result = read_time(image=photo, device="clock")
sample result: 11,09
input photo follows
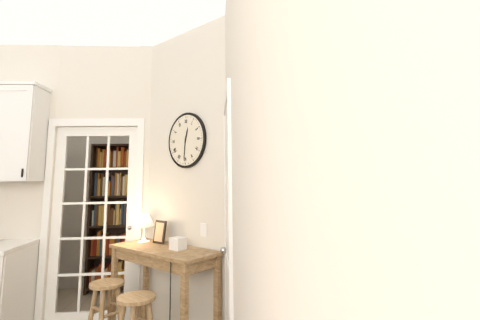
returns 12,31
